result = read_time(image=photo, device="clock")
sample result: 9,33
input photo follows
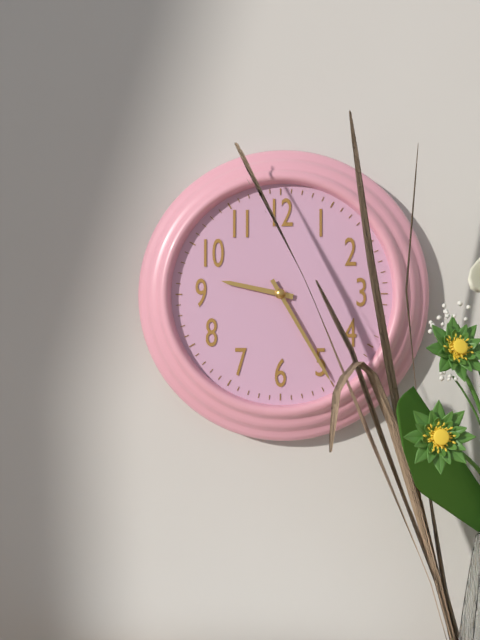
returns 9,25
